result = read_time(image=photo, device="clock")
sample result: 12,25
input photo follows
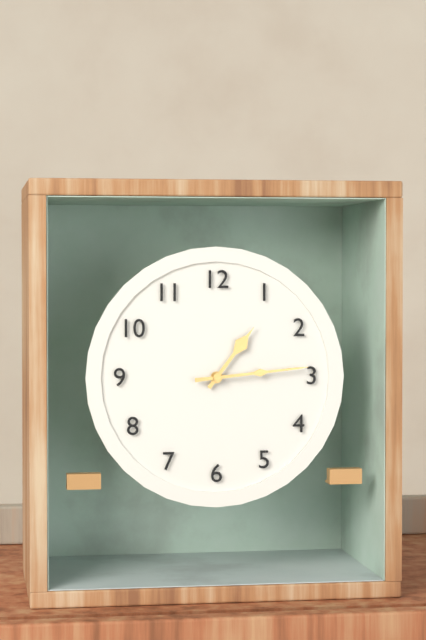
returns 1,14
